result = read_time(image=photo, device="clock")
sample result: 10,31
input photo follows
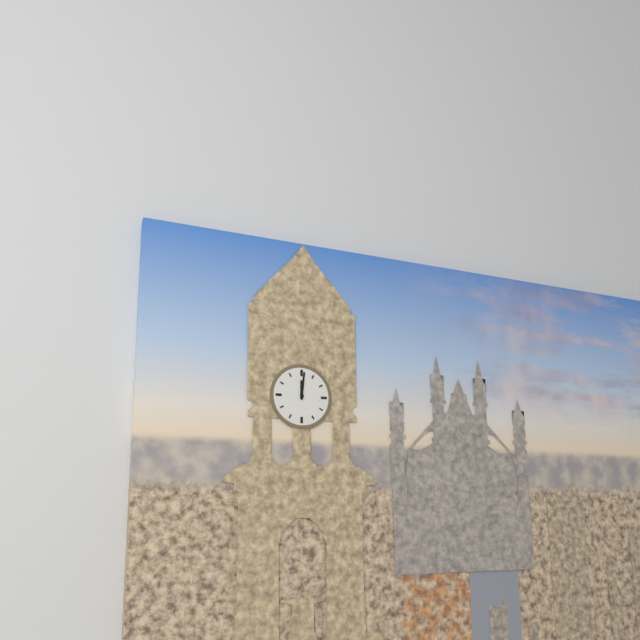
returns 12,01
